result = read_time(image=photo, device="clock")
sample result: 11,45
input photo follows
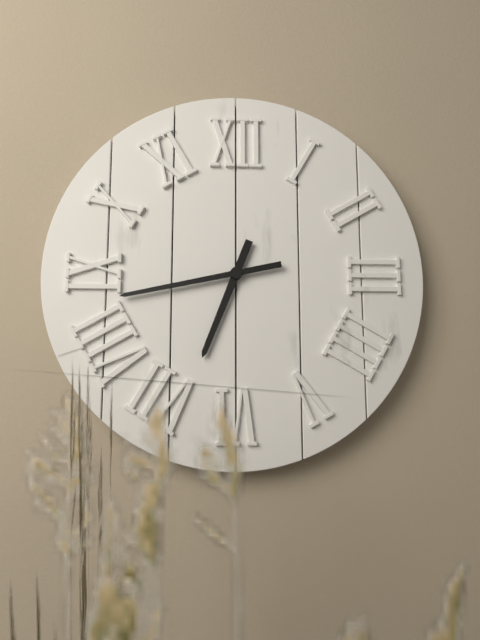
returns 6,43
